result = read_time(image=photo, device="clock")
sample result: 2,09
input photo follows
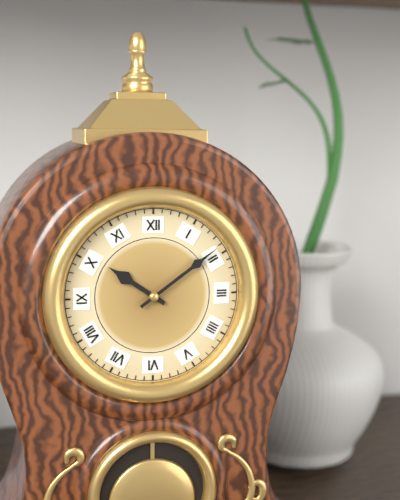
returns 10,09
